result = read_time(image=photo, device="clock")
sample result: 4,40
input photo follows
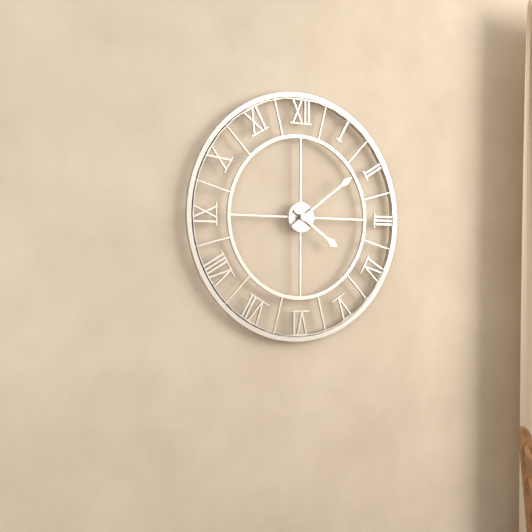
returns 4,09
